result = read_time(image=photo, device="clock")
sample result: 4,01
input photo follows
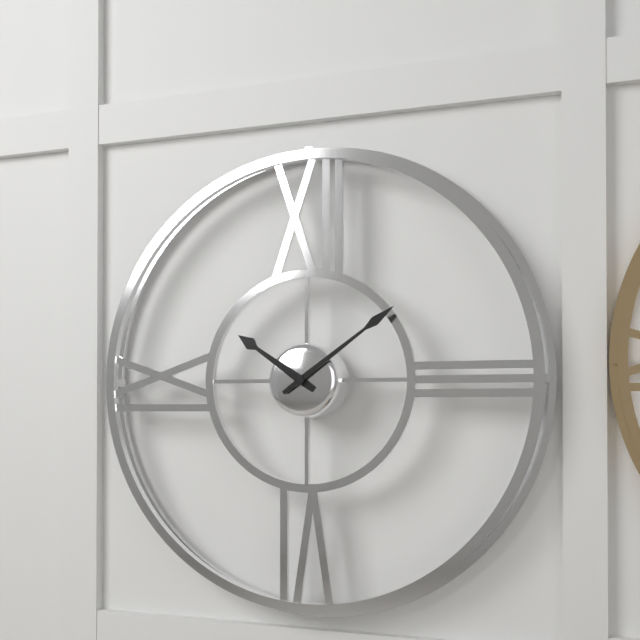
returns 10,09
